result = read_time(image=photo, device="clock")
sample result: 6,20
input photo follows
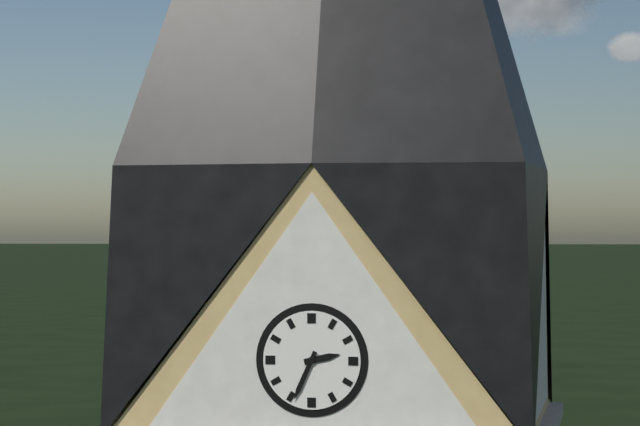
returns 2,34
